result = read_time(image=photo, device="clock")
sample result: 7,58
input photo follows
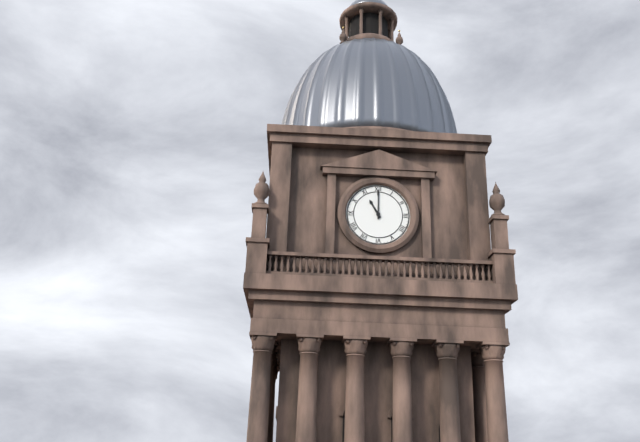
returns 11,00
